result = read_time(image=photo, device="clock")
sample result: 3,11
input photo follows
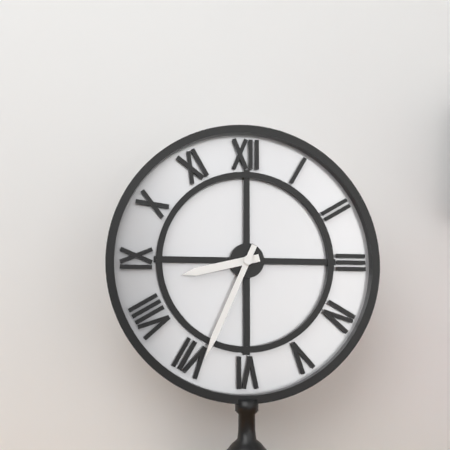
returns 8,34
